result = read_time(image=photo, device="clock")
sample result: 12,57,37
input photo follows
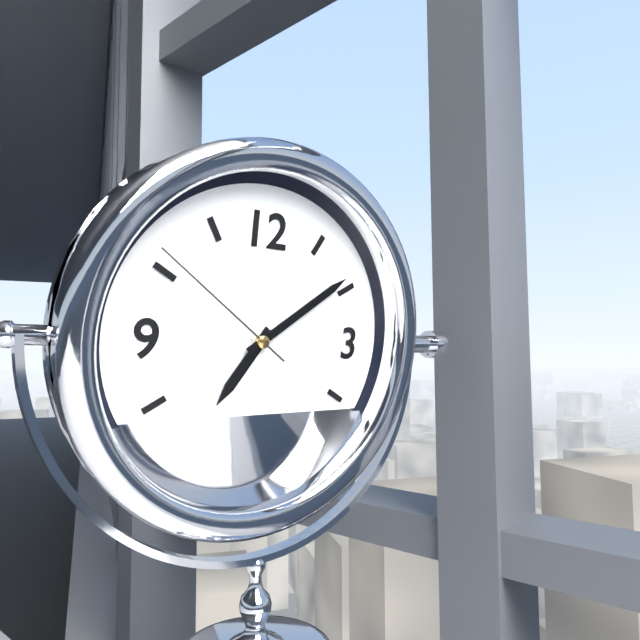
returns 7,09,51
